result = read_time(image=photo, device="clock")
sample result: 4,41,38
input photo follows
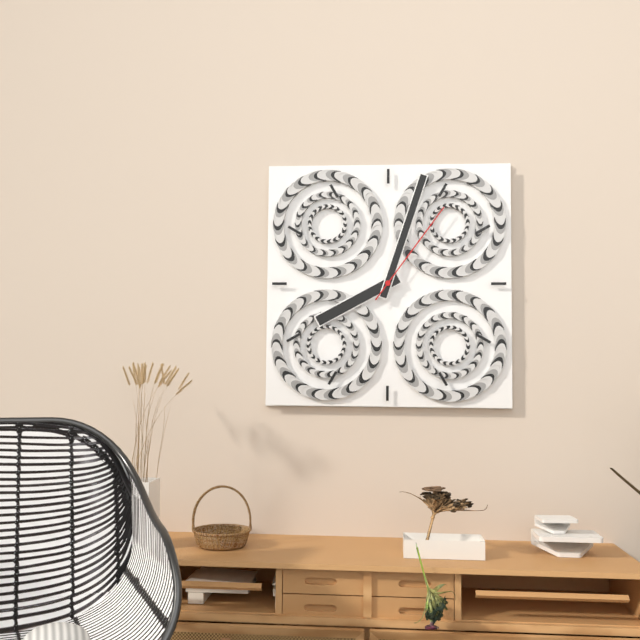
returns 8,03,06
